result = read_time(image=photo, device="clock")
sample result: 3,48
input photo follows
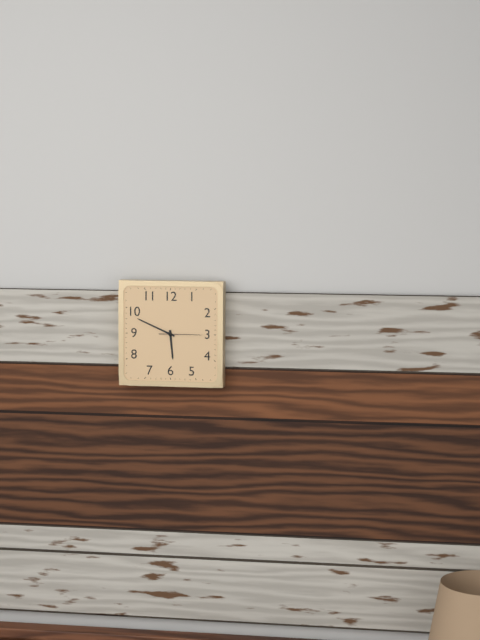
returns 5,49
